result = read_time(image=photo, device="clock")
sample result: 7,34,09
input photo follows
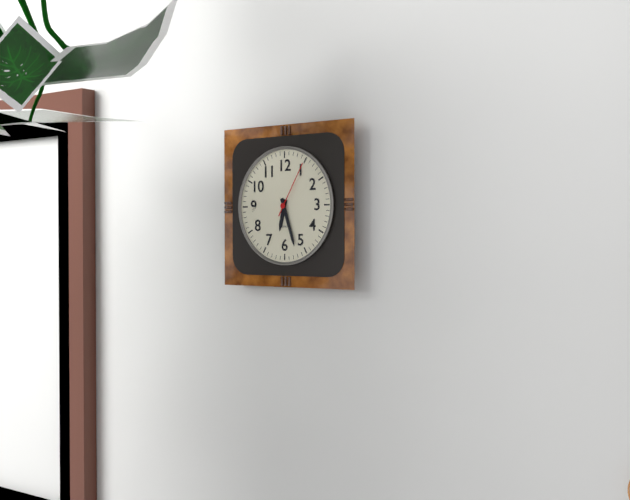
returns 6,27,05
